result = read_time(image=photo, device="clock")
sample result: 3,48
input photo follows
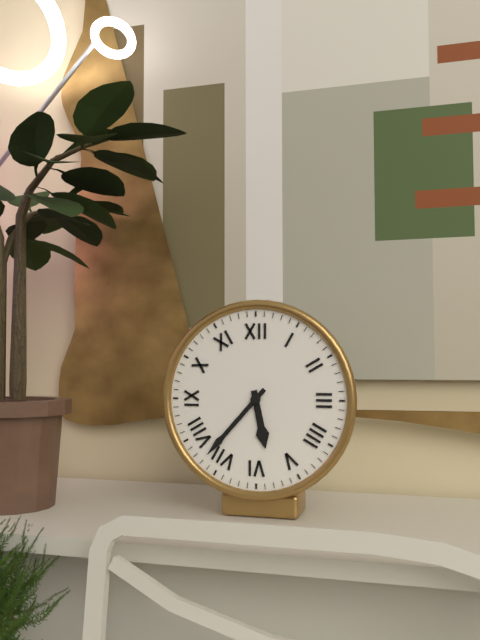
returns 5,37
